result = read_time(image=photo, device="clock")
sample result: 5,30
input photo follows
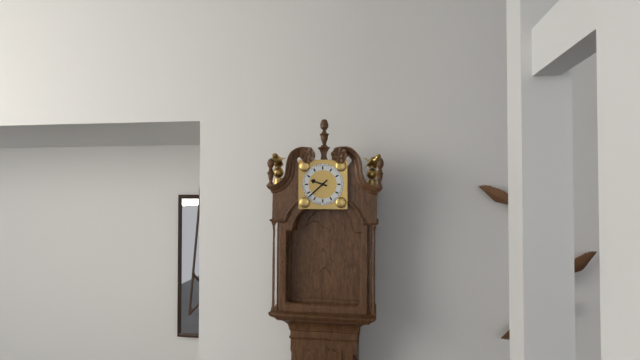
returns 9,38
